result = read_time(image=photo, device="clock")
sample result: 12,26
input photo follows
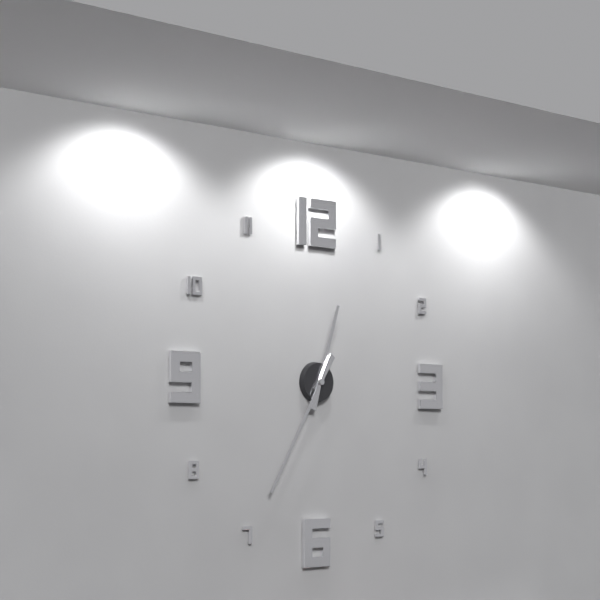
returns 12,35
